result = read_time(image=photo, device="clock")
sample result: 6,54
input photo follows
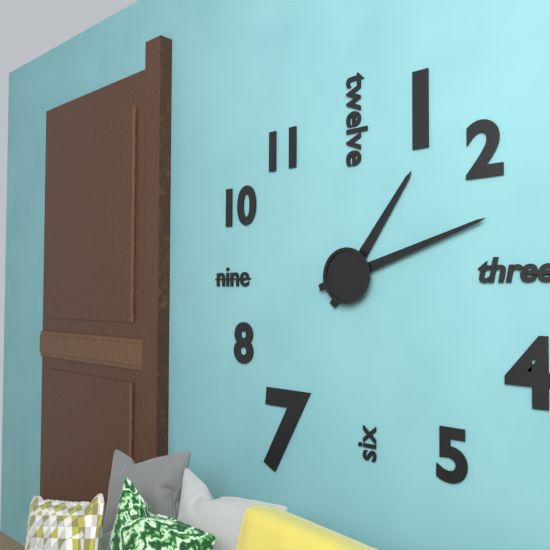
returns 1,12
